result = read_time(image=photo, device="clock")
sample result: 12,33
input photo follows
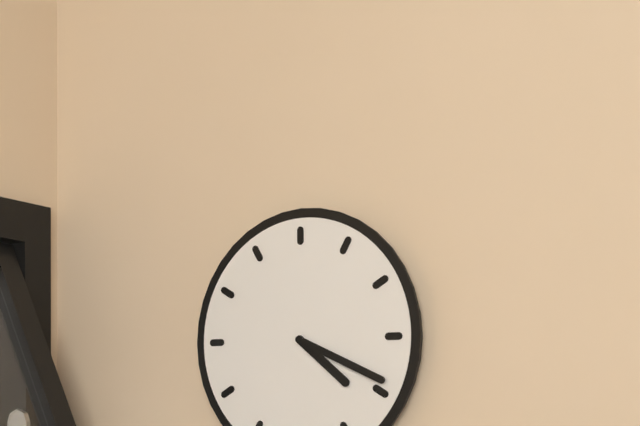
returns 4,19
